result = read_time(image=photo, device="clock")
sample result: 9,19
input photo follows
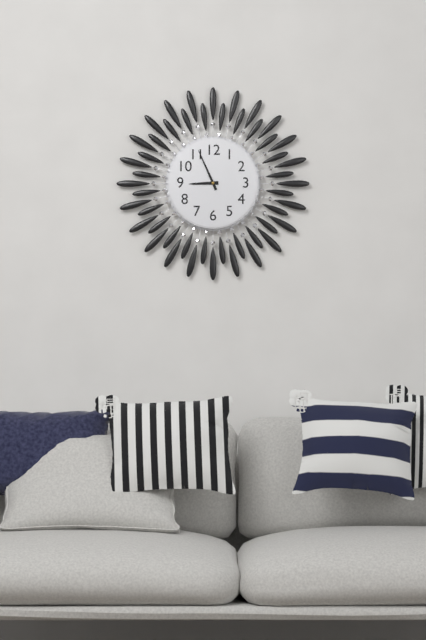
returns 8,56
